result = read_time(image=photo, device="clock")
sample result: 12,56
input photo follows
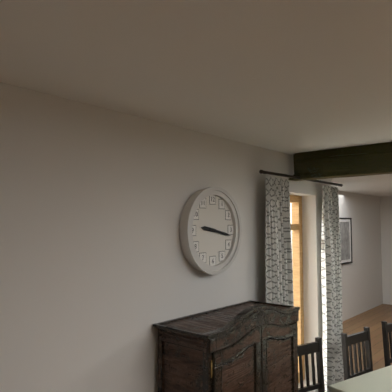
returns 9,17
